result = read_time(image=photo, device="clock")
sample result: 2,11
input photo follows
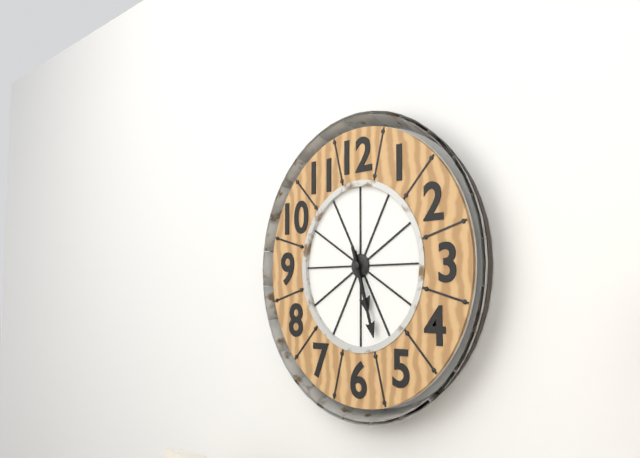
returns 5,27
